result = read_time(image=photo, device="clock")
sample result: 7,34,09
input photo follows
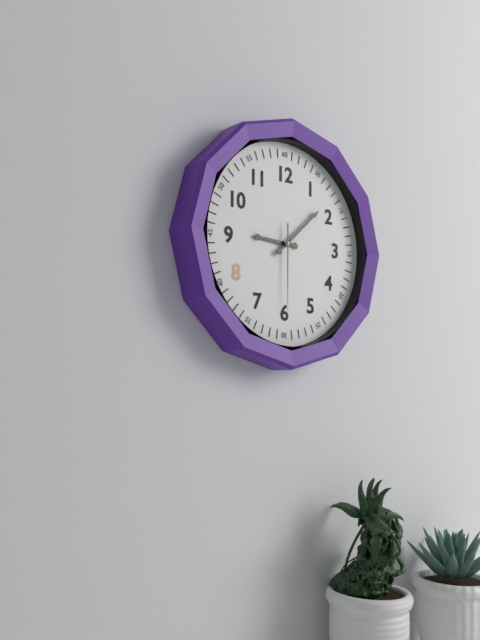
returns 9,08,30
